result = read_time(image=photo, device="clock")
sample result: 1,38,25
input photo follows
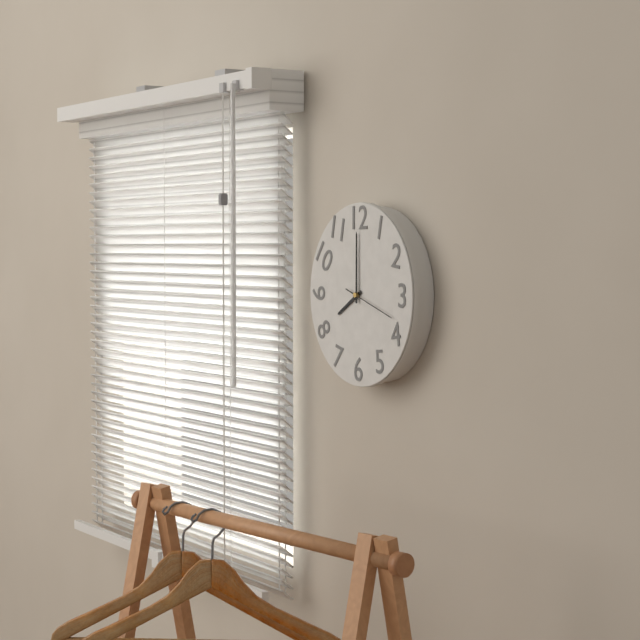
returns 8,00,18
